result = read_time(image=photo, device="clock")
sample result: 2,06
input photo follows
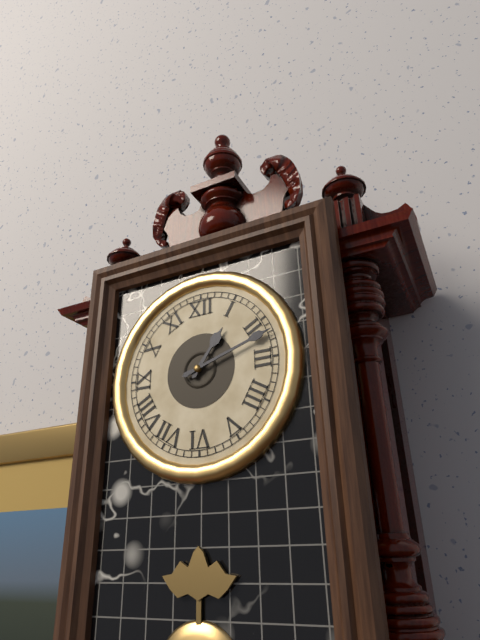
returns 1,12
